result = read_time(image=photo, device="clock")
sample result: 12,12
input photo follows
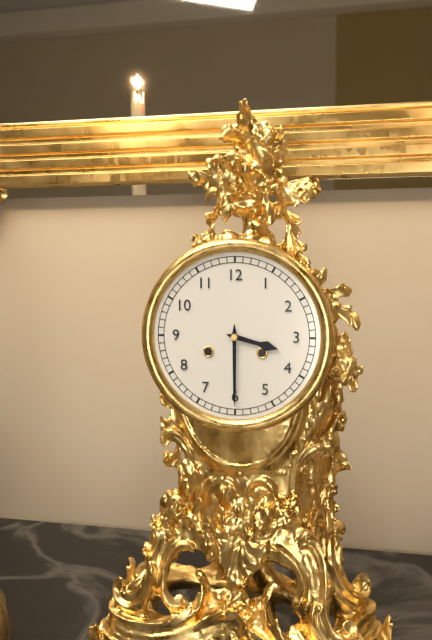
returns 3,30
